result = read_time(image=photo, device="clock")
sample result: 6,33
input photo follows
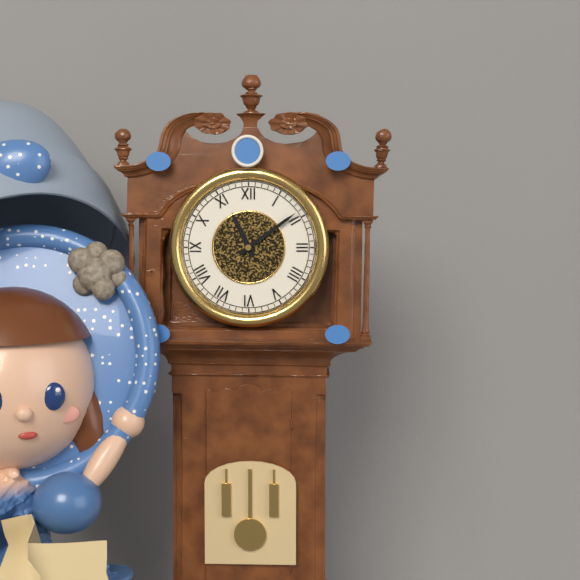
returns 11,09
